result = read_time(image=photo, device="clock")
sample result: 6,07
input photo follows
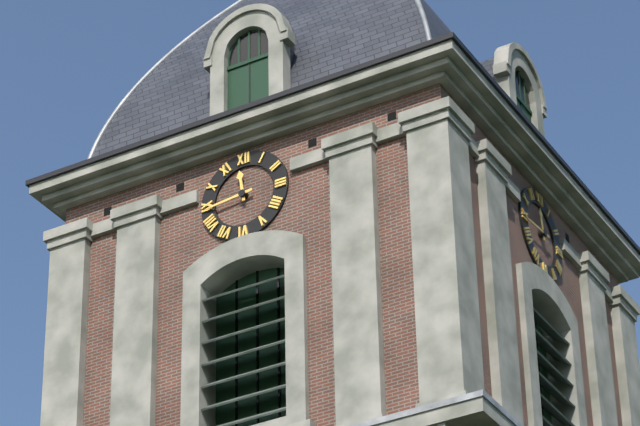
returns 11,44
